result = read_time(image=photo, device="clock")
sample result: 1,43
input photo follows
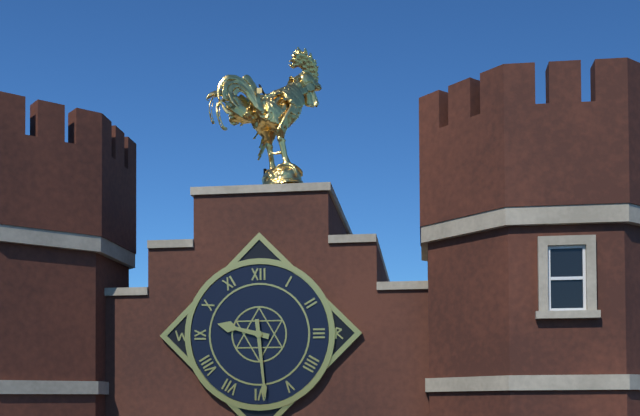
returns 9,29
